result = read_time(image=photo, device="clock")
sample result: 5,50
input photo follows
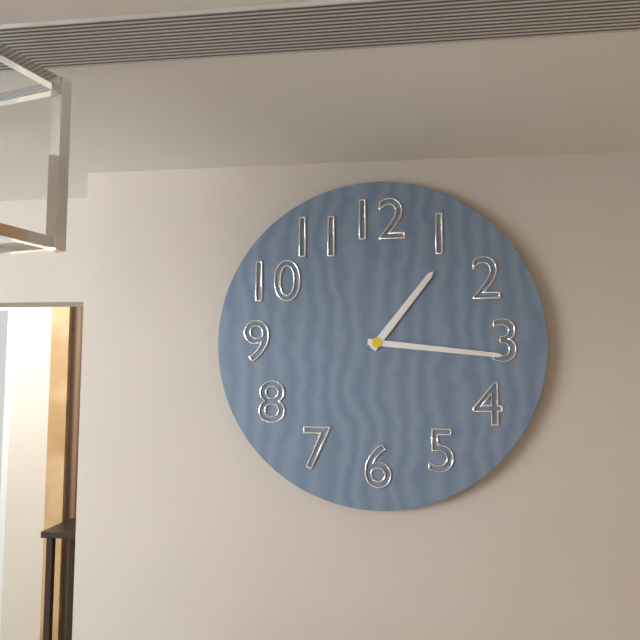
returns 1,16
